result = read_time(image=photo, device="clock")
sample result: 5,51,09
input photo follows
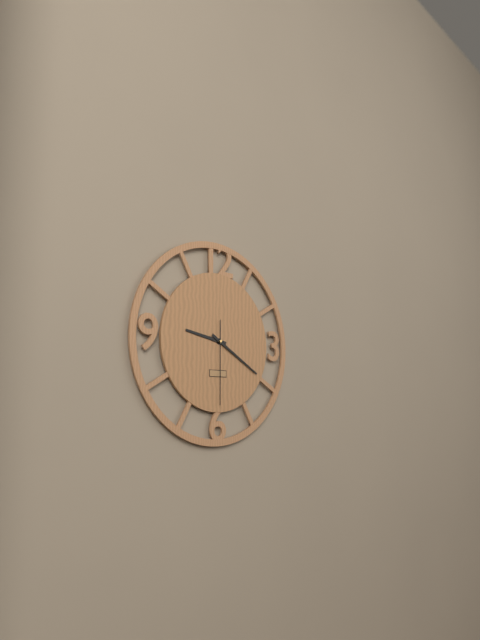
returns 9,20,30
